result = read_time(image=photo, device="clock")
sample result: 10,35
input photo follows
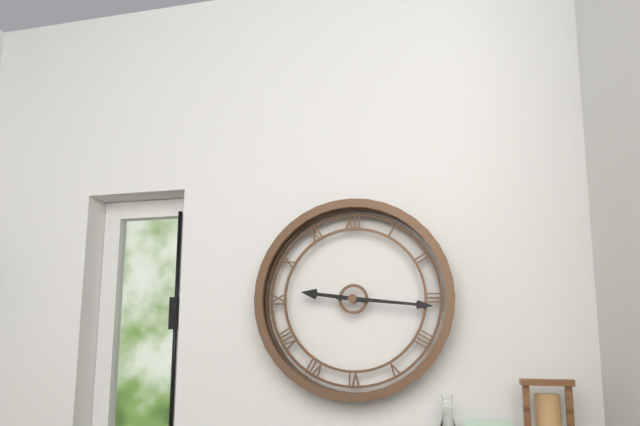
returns 9,16
